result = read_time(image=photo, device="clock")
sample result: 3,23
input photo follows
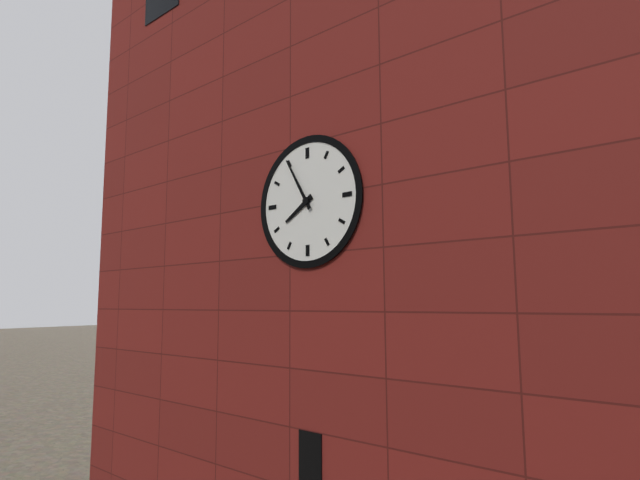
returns 7,55
